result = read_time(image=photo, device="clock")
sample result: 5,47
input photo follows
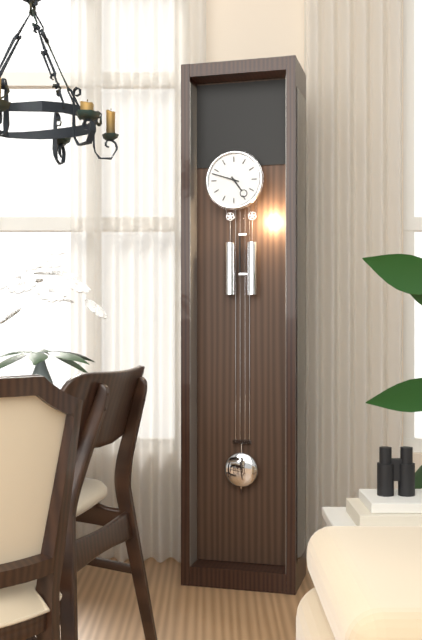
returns 4,48
